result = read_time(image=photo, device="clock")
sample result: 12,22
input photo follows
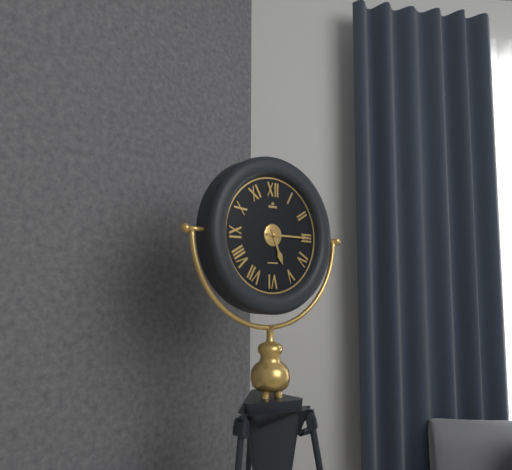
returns 5,15
